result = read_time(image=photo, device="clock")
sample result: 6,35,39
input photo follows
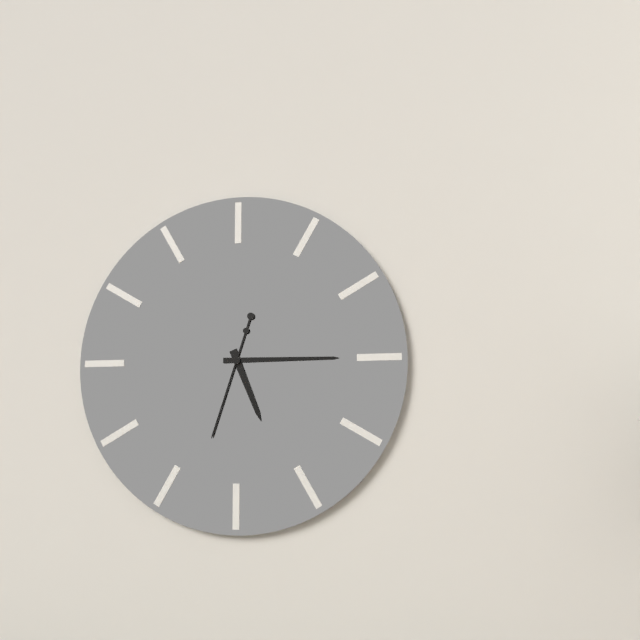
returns 5,15,33
